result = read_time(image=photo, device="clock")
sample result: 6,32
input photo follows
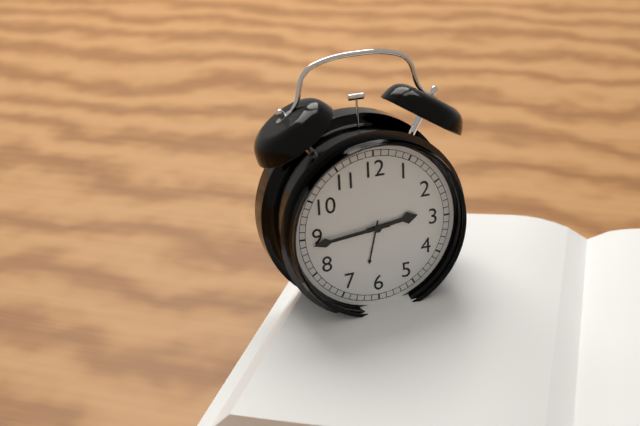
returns 2,44
